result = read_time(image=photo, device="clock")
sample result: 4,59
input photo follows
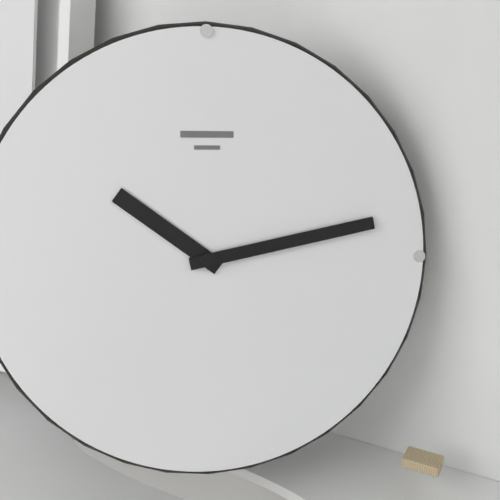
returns 10,13
